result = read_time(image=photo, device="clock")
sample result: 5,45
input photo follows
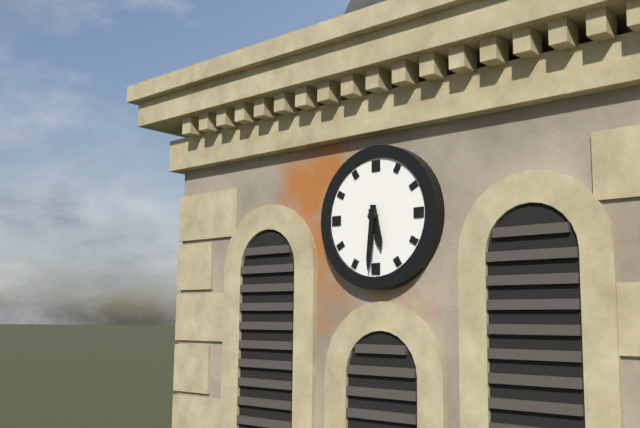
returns 5,31
